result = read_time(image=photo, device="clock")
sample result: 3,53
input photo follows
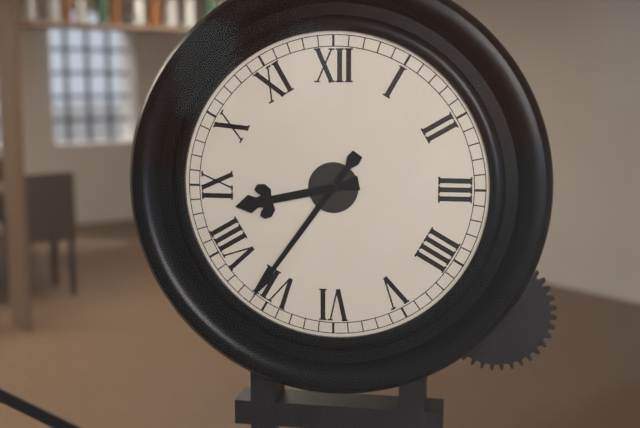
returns 8,36
